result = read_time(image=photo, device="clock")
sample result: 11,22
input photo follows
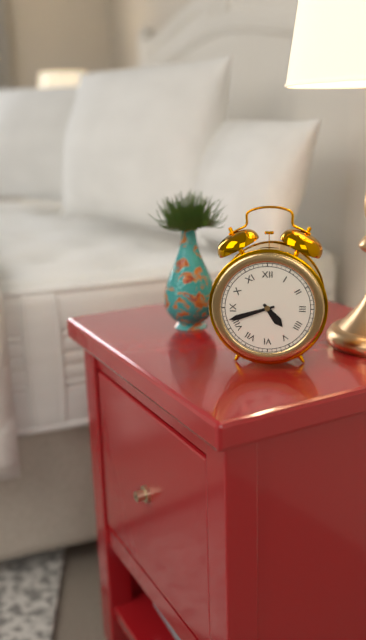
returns 4,42
